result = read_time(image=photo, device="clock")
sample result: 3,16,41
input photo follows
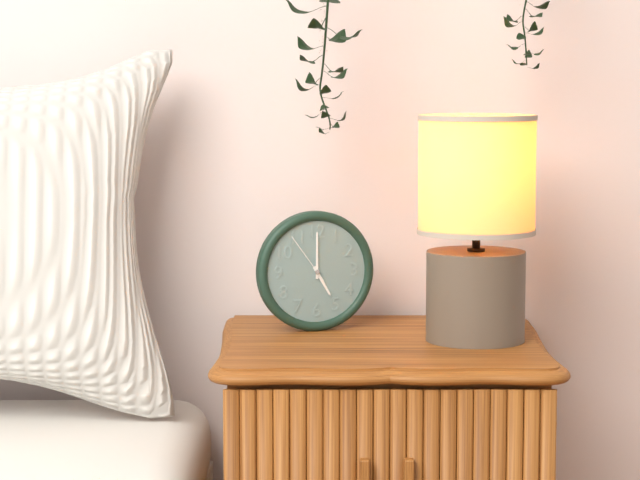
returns 5,00,54
